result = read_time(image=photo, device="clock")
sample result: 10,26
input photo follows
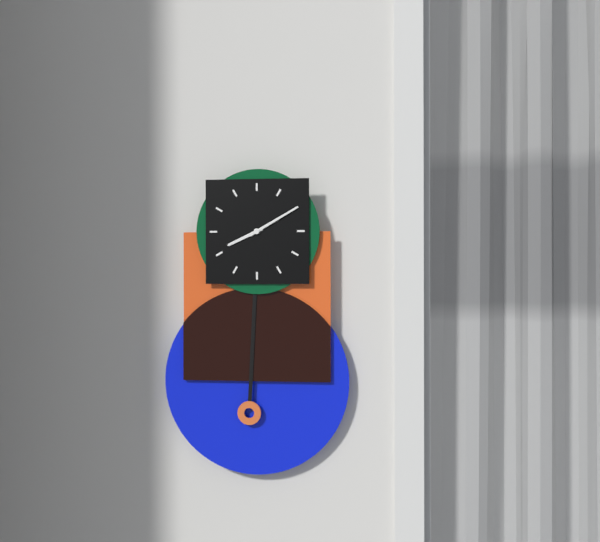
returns 8,10
